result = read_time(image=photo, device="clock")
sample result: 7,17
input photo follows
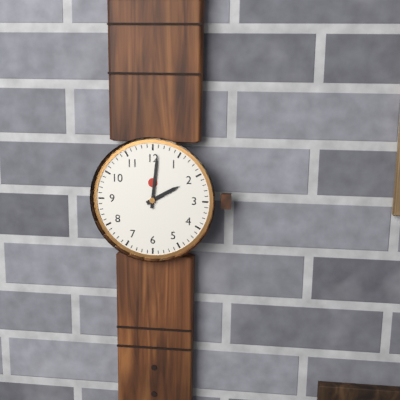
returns 2,01
